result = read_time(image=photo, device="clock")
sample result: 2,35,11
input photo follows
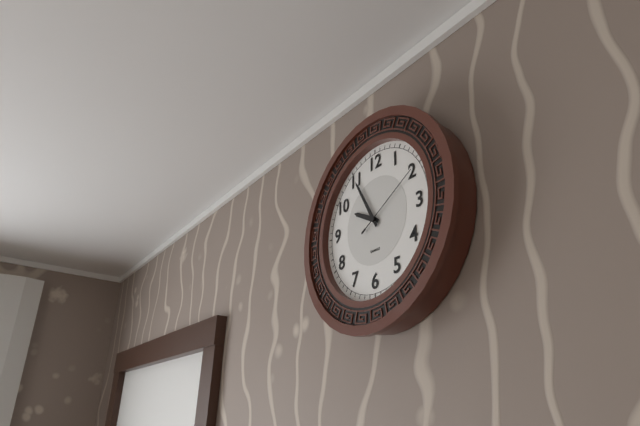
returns 9,55,10
